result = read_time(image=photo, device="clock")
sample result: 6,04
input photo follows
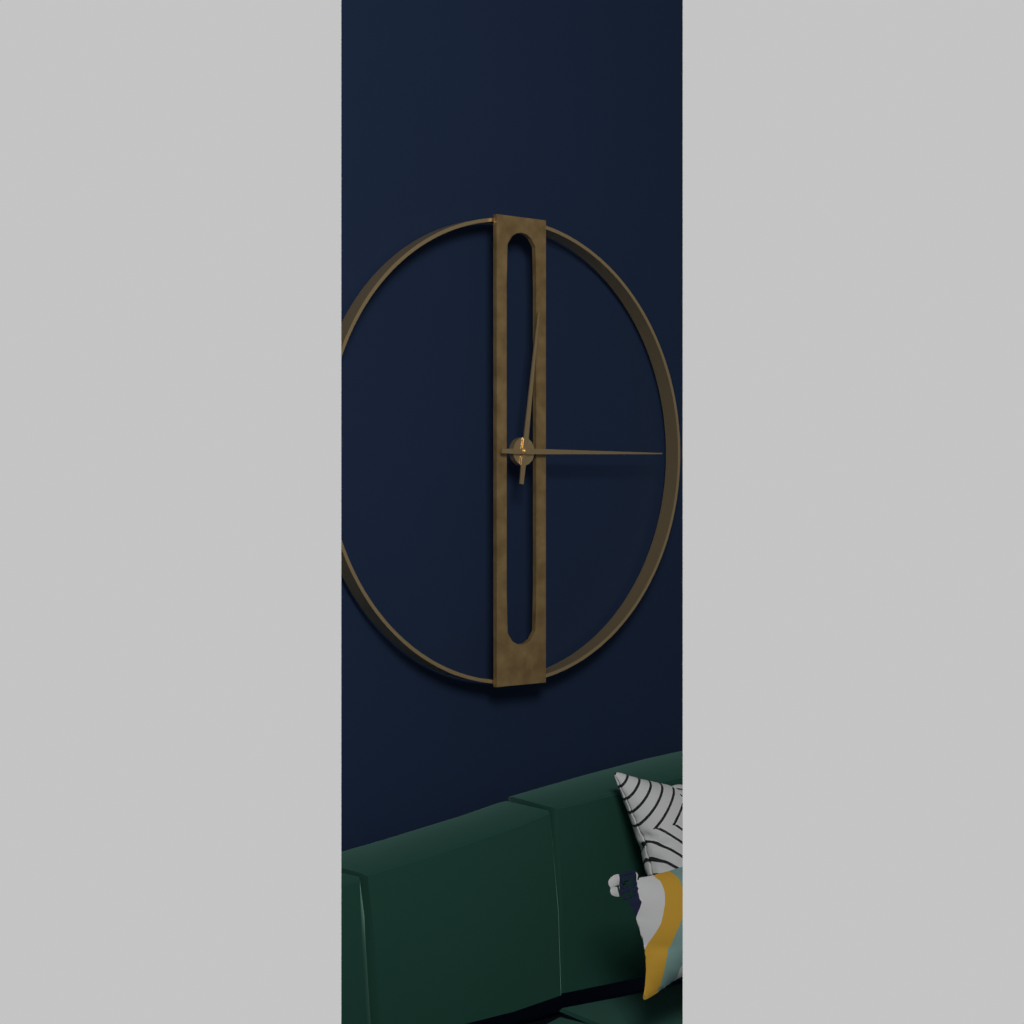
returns 12,15
